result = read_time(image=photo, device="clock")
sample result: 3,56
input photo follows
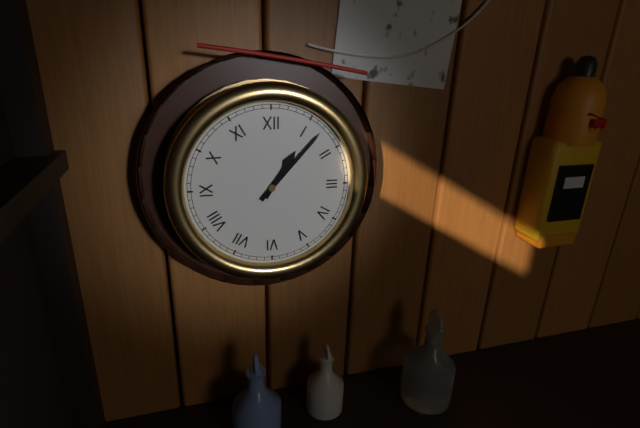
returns 1,07
